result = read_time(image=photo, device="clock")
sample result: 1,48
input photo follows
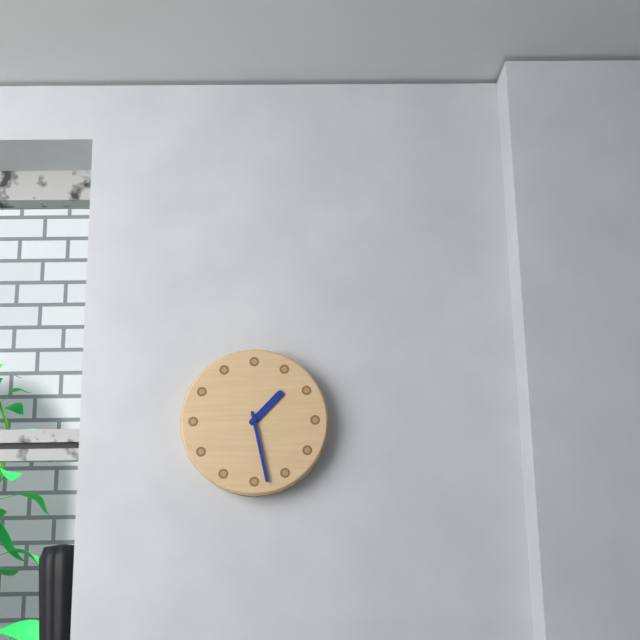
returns 1,28
